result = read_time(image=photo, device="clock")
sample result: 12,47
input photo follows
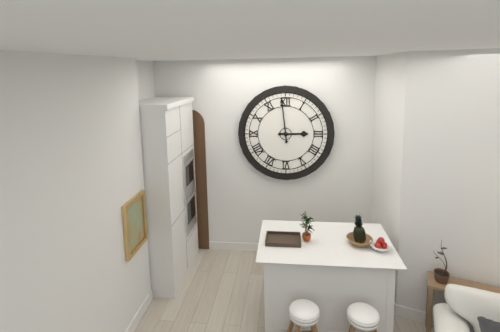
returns 2,59
